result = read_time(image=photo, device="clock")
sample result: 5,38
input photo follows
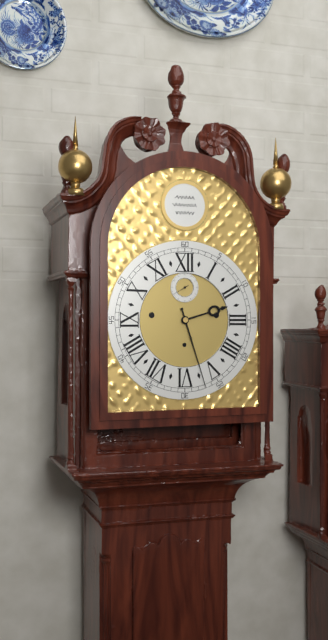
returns 2,27
